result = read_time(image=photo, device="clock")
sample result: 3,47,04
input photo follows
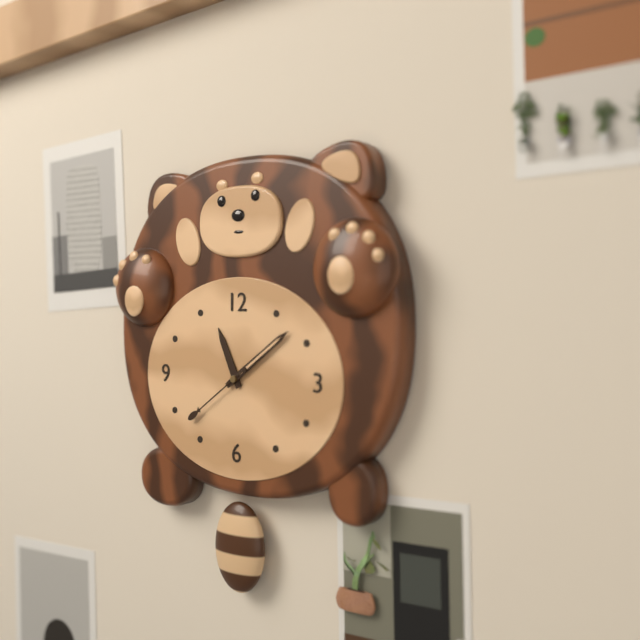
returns 11,09,39
